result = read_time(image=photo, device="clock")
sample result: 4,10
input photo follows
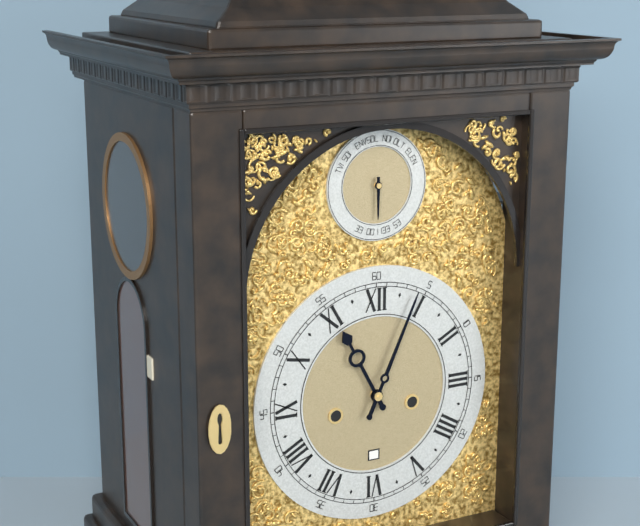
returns 11,04
